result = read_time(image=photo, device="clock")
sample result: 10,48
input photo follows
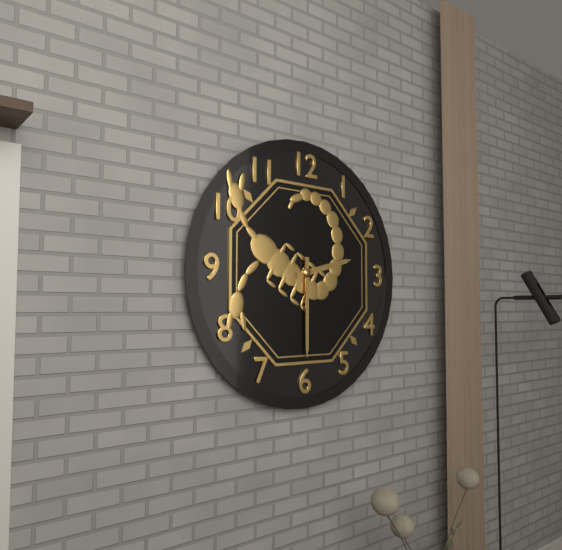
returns 2,30
